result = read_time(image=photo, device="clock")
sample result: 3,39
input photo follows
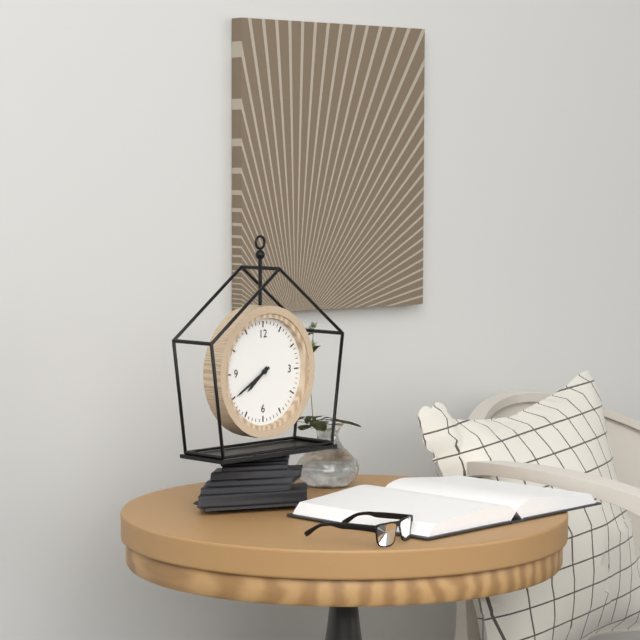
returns 7,40
